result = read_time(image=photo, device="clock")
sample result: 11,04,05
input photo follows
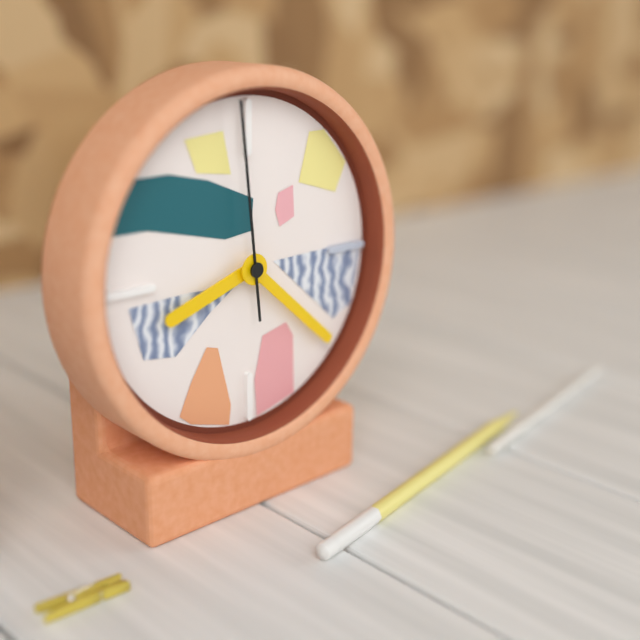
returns 8,22,59
